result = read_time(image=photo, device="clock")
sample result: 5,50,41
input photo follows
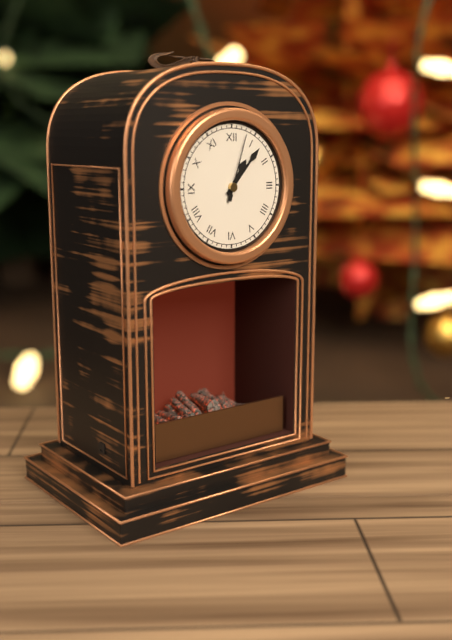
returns 1,07,03
